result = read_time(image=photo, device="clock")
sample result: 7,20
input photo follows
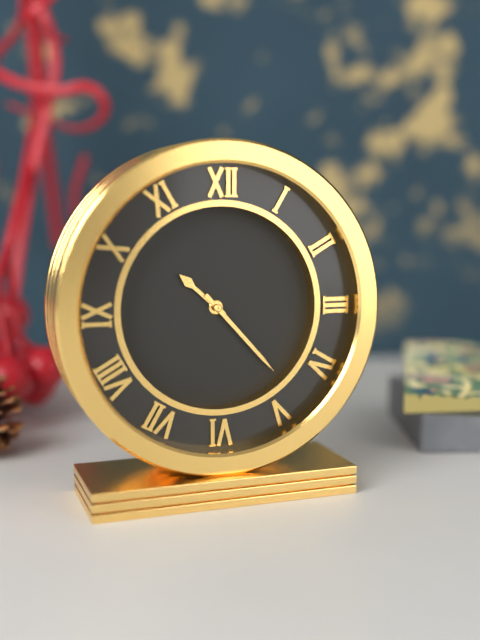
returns 10,23
